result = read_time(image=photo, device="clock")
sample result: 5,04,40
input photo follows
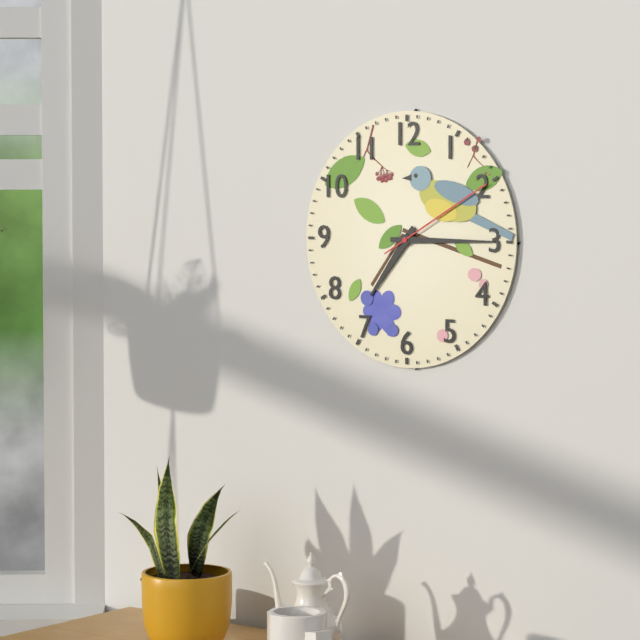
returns 7,15,10
